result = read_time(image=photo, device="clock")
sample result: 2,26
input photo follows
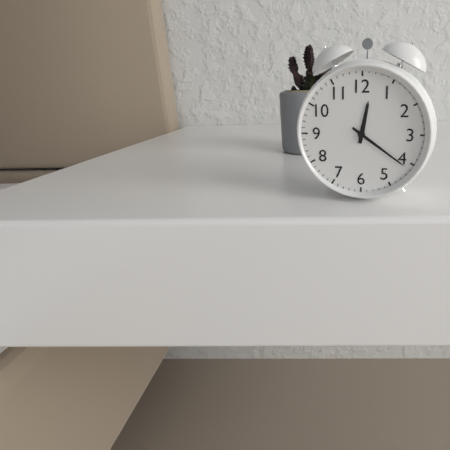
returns 12,21
